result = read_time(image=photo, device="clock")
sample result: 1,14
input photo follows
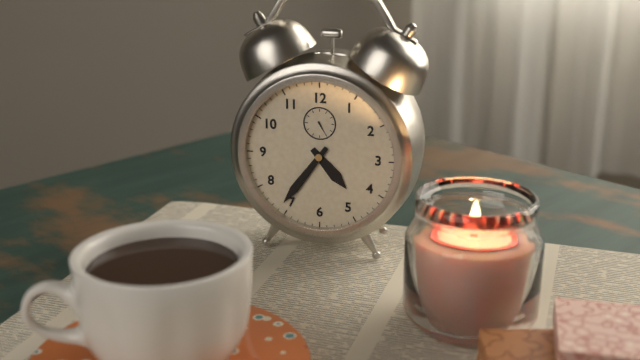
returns 4,36
